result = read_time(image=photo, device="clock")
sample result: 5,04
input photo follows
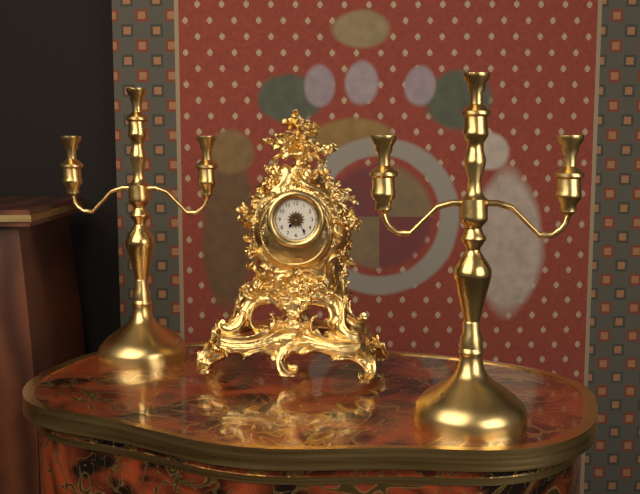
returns 7,24
